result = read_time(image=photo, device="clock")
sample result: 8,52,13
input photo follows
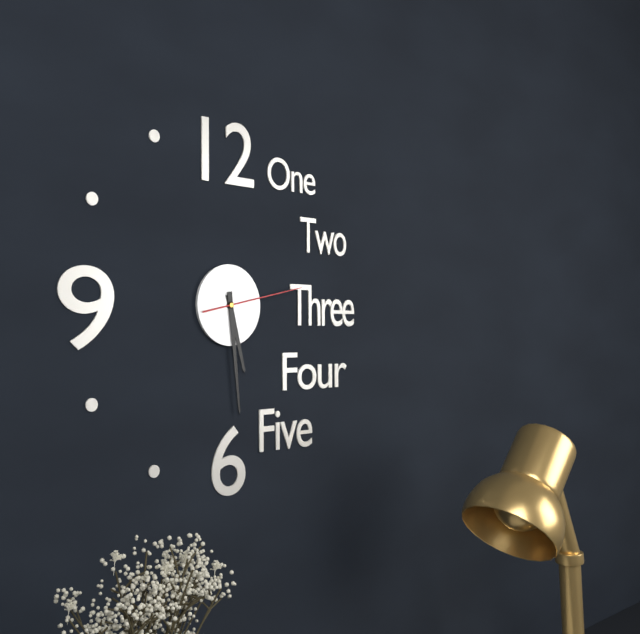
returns 5,29,13
